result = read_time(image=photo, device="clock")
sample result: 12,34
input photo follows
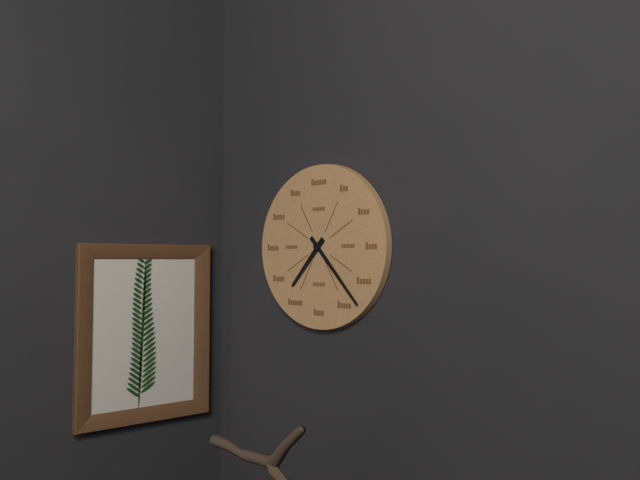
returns 7,23
